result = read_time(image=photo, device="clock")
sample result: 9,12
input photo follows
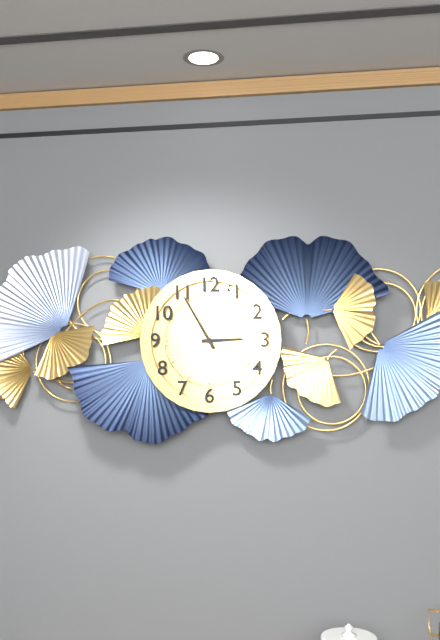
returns 2,55
